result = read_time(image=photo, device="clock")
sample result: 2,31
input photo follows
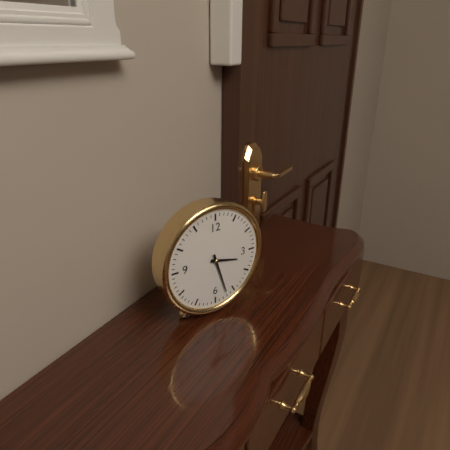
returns 3,27
